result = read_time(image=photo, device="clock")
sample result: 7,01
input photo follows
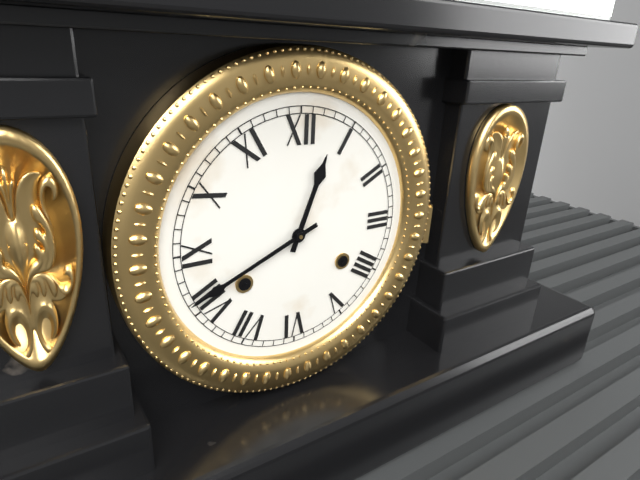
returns 12,41
